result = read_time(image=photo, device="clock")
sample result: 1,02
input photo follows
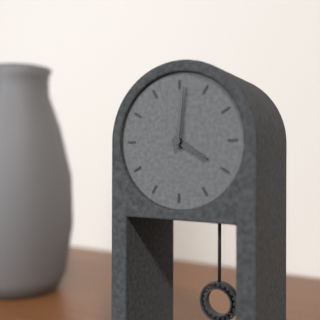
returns 4,01
